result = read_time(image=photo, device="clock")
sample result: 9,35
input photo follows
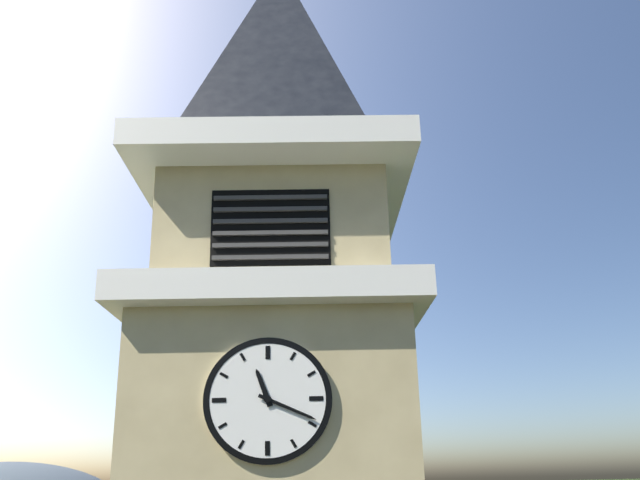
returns 11,19
